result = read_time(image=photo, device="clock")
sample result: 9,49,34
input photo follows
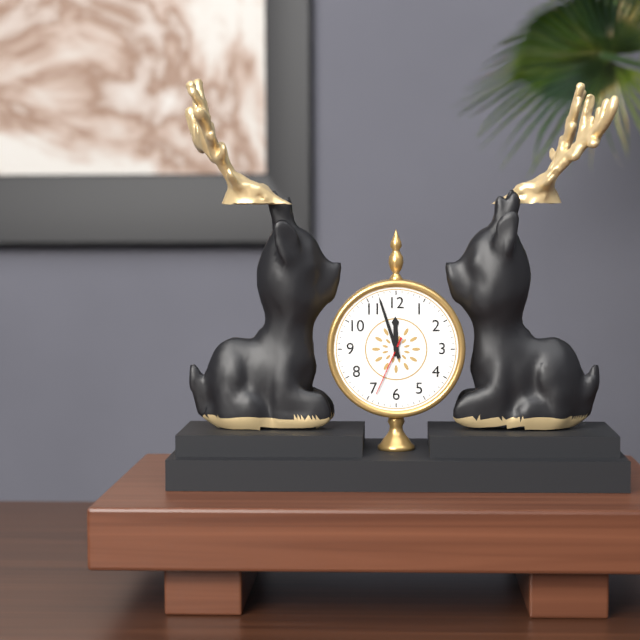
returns 11,57,34
